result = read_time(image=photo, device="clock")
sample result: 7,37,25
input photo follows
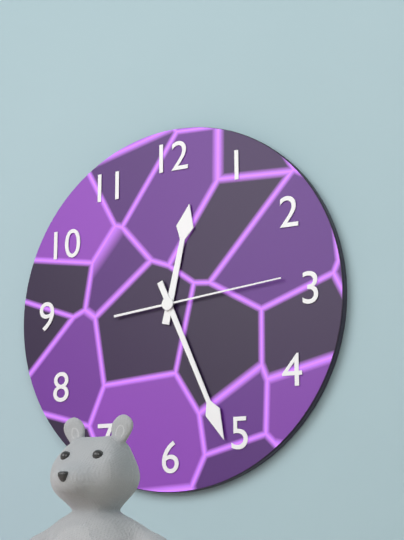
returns 12,26,14
